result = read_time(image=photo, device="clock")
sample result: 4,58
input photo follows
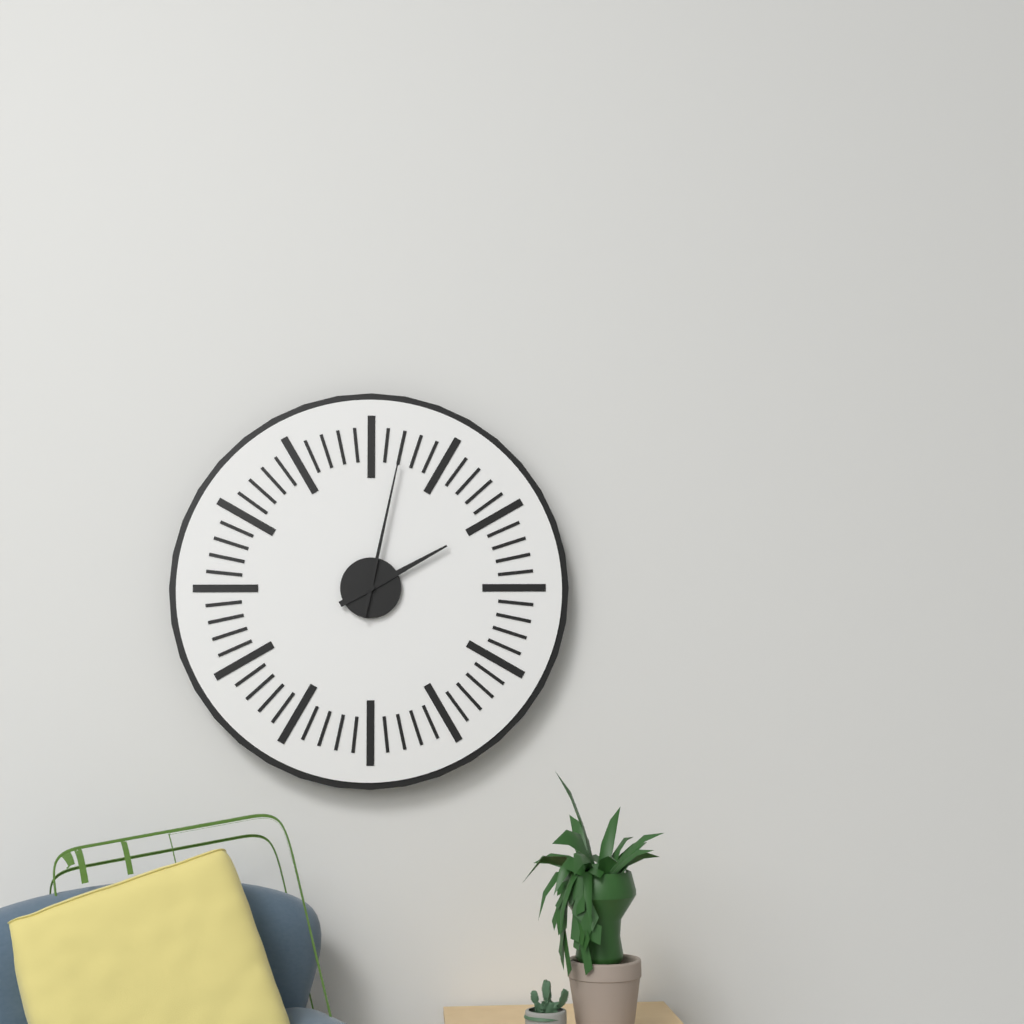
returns 2,02
